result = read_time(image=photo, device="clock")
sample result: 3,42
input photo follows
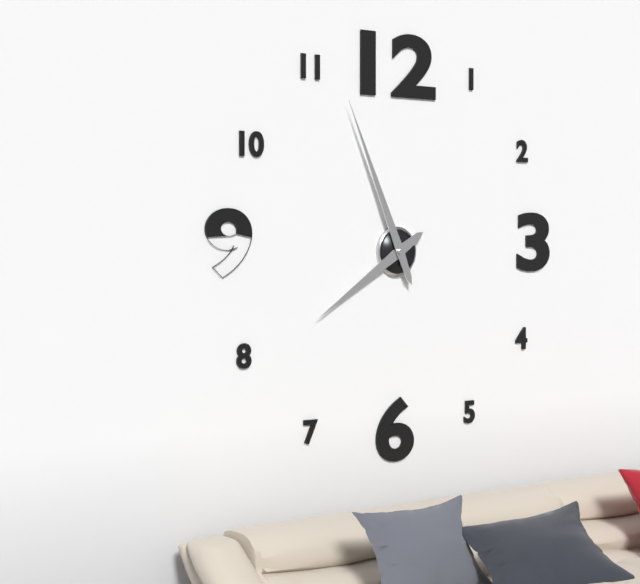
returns 7,56
